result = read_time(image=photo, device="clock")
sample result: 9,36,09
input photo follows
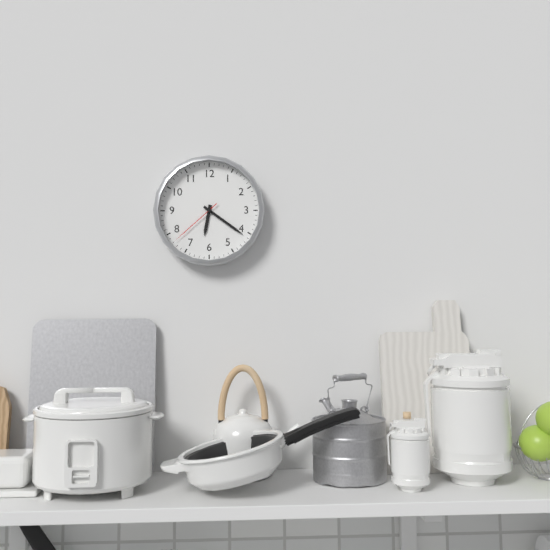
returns 6,21,38
